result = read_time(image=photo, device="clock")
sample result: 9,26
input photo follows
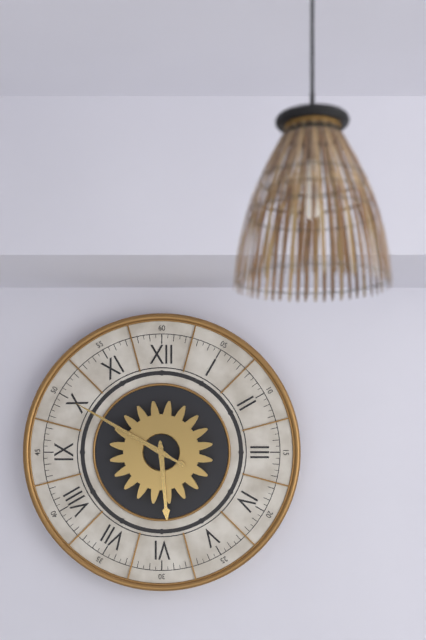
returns 5,50
